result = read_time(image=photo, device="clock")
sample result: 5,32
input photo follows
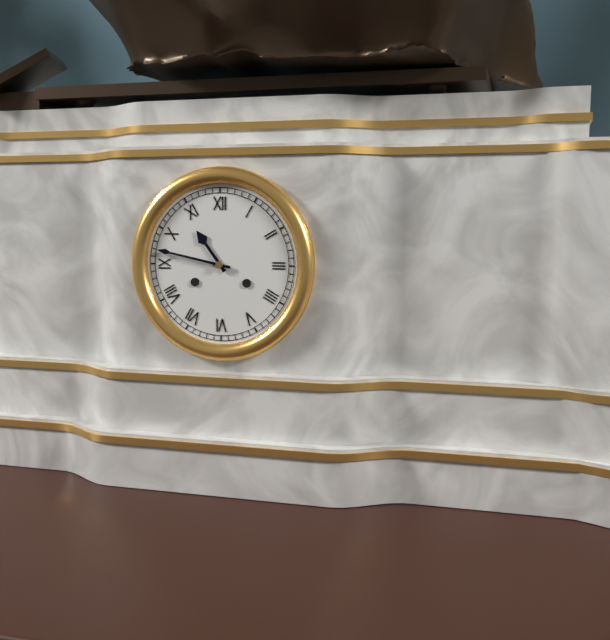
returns 10,47
